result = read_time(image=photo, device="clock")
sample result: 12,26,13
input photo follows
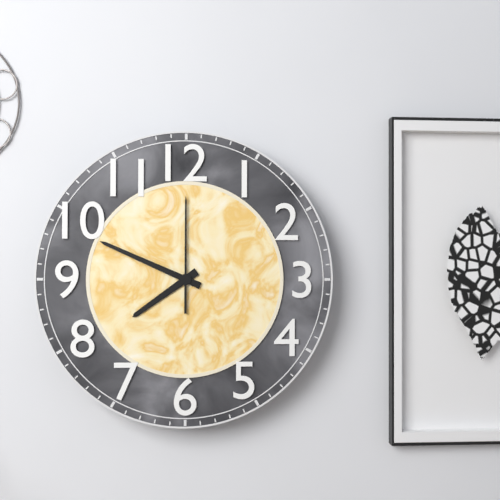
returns 7,49,00
